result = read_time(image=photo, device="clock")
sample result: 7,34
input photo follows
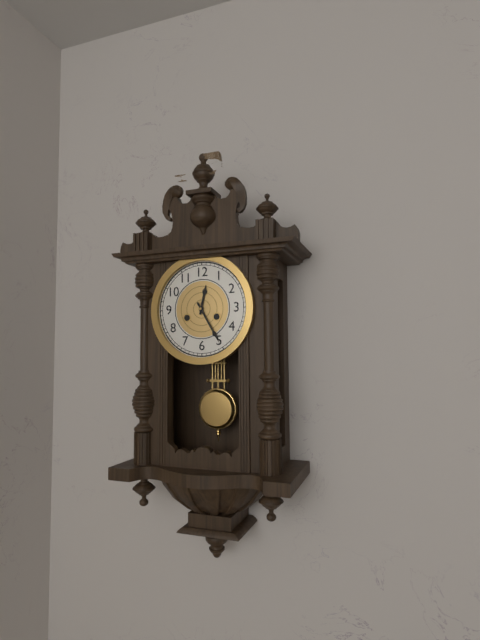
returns 12,25
